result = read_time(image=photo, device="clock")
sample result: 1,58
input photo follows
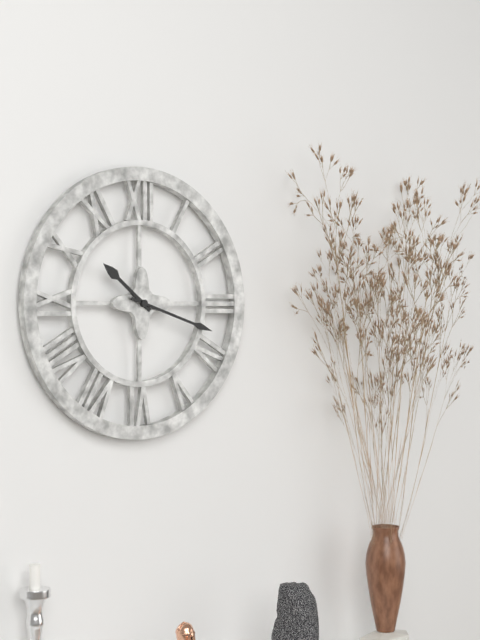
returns 10,18
